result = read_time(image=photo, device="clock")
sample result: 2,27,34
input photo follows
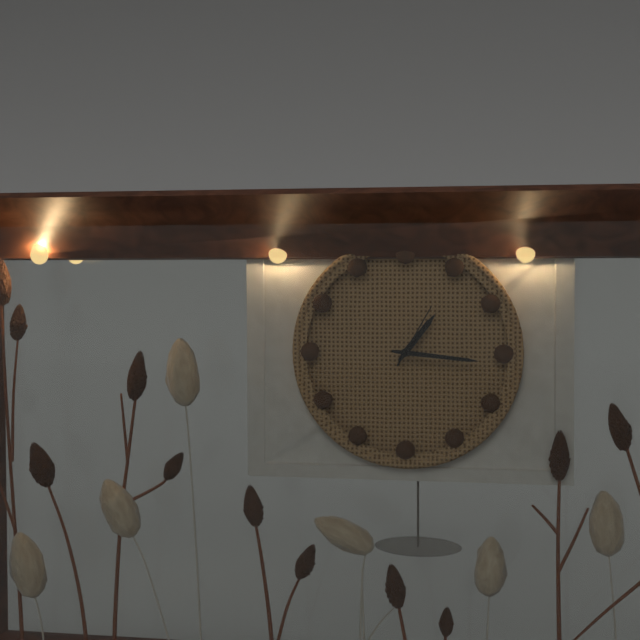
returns 1,16,05
